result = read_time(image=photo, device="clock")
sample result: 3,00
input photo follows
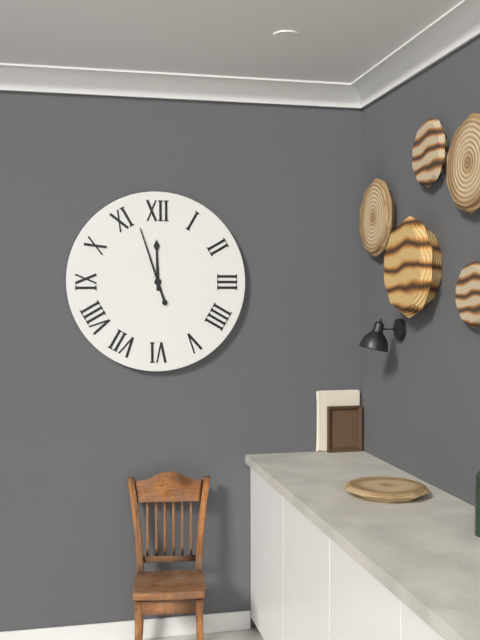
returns 11,57
